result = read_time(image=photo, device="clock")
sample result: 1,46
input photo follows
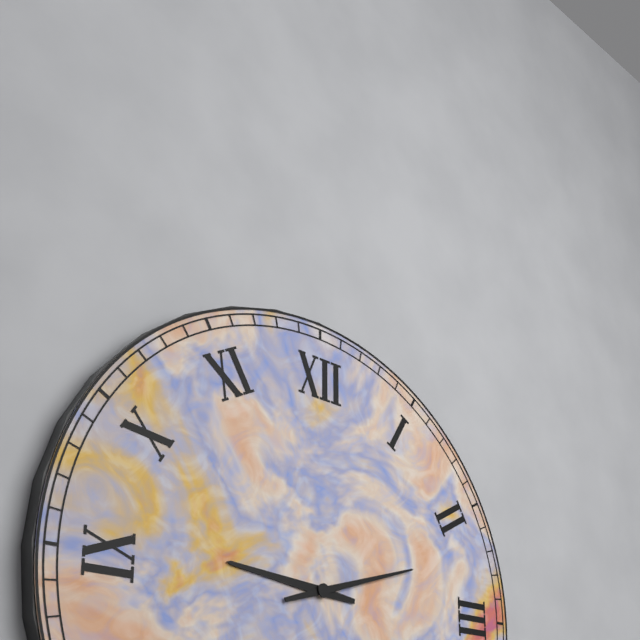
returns 9,12
